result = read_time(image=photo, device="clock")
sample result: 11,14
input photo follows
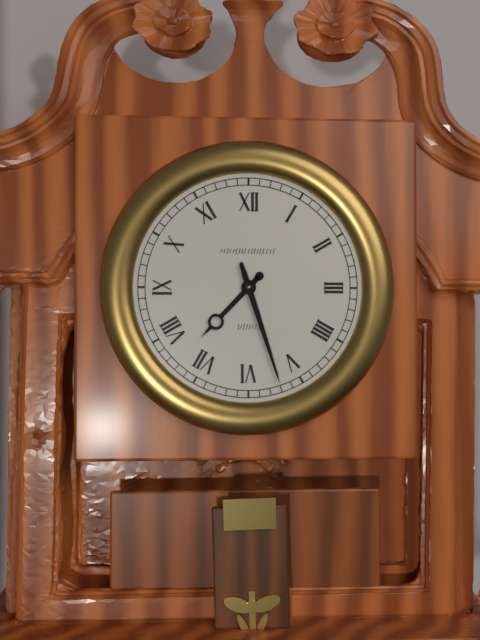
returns 7,27
